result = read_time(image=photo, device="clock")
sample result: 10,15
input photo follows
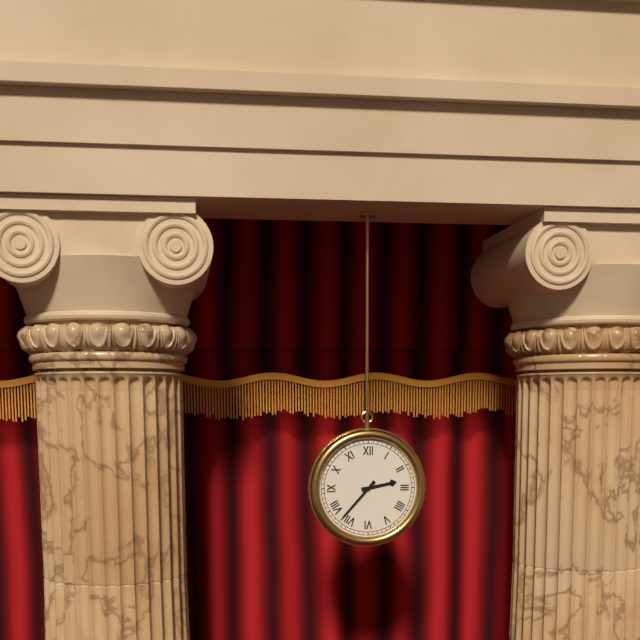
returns 2,37
